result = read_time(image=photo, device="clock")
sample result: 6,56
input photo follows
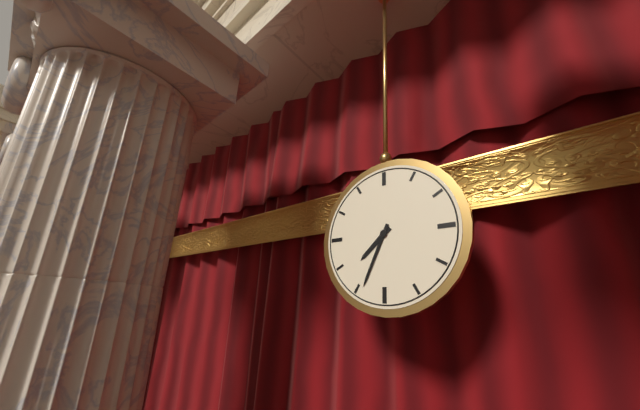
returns 7,34
